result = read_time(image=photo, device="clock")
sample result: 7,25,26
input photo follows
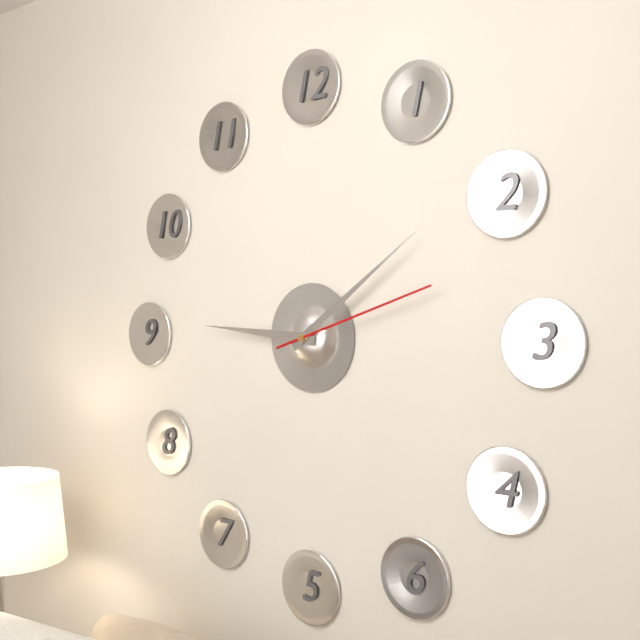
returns 9,09,12
